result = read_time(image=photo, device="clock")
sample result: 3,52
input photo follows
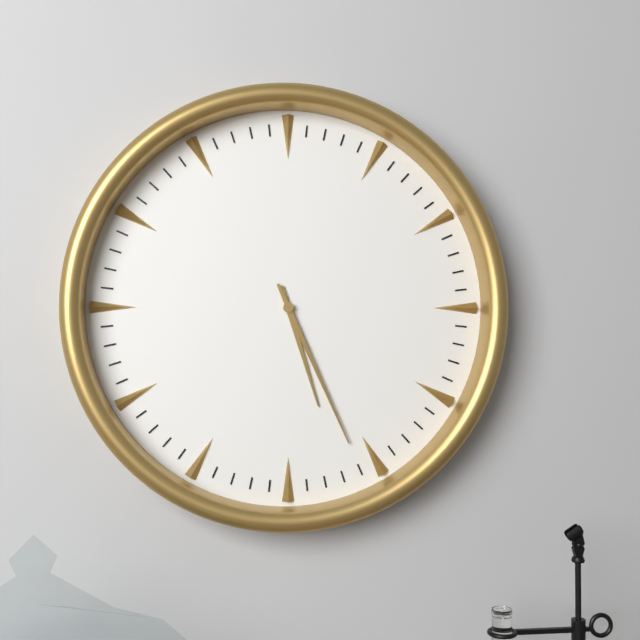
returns 5,26
